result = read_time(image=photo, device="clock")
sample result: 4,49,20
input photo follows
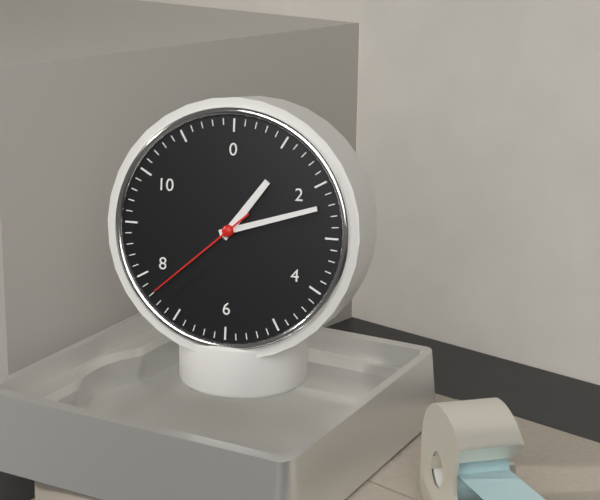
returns 1,12,38
